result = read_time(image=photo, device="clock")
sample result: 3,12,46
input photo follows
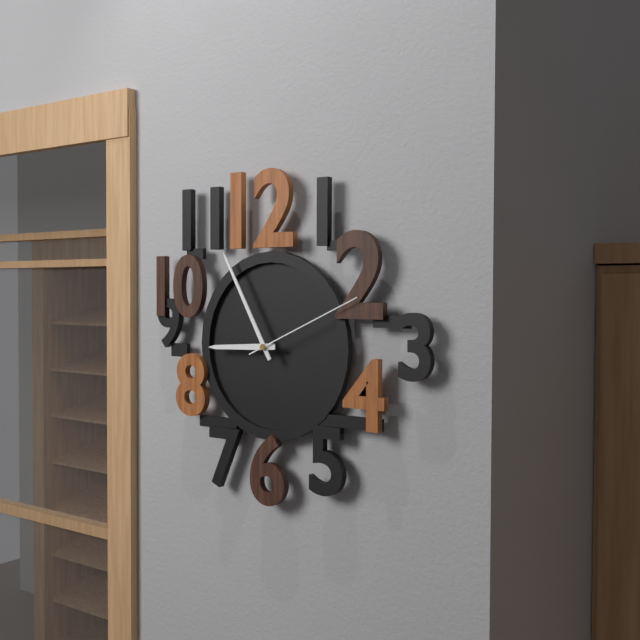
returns 8,55,11
